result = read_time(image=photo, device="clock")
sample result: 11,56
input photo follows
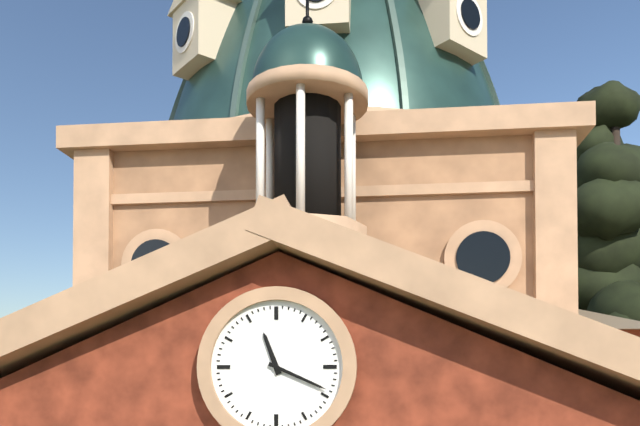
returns 11,19
